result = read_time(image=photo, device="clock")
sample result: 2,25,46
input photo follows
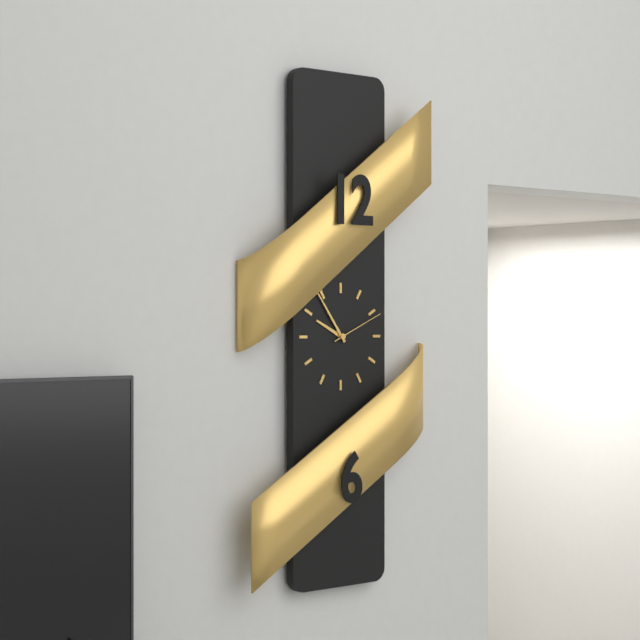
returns 9,54,11
